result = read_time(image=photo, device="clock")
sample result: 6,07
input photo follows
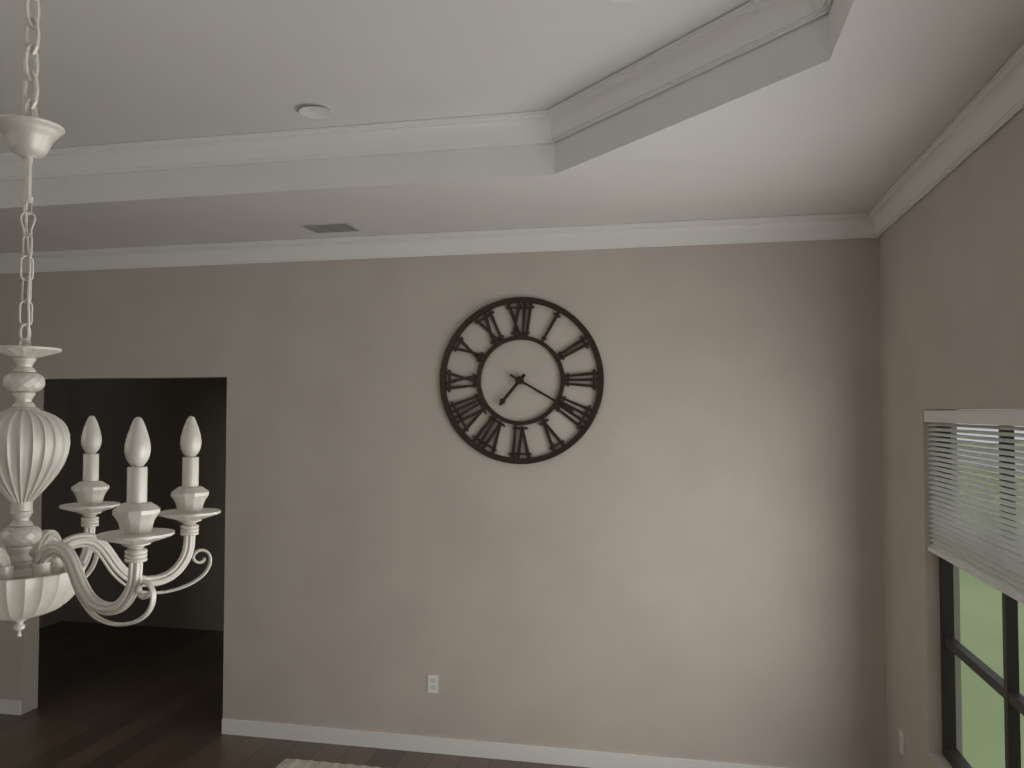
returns 7,20
